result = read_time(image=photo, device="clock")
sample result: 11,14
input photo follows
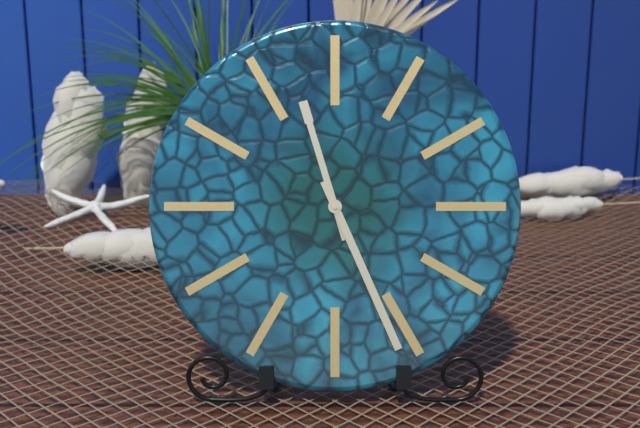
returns 11,26
